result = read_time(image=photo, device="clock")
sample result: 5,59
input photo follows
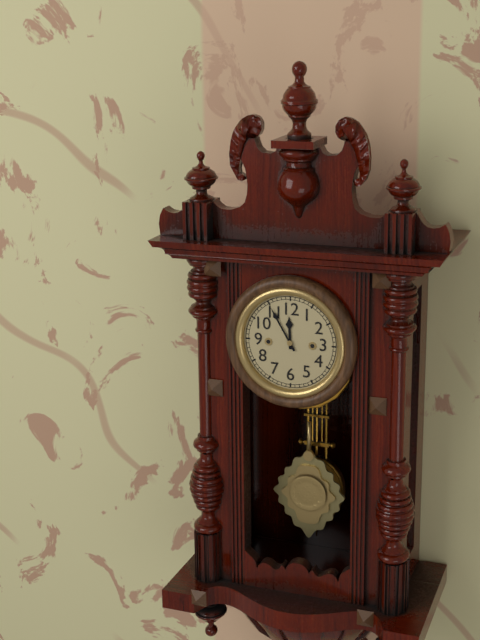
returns 11,55
